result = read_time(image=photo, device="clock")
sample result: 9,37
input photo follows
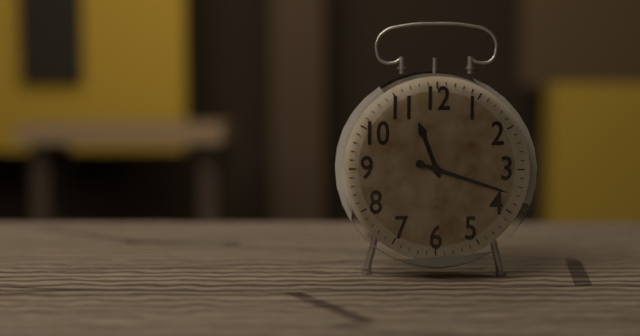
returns 11,18
